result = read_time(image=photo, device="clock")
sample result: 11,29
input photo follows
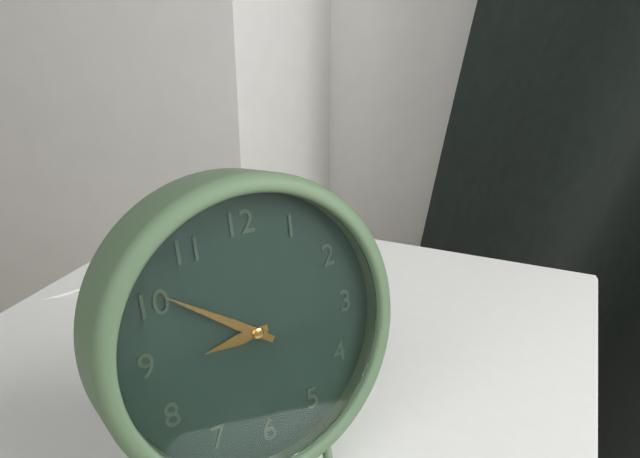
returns 8,51
